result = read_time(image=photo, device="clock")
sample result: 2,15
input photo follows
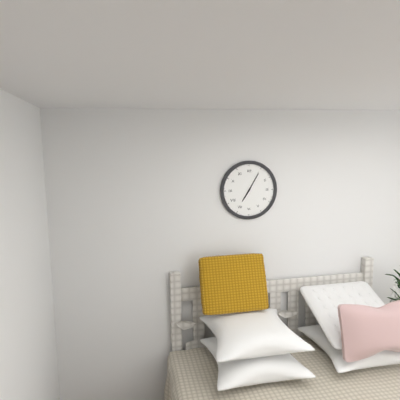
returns 7,05
